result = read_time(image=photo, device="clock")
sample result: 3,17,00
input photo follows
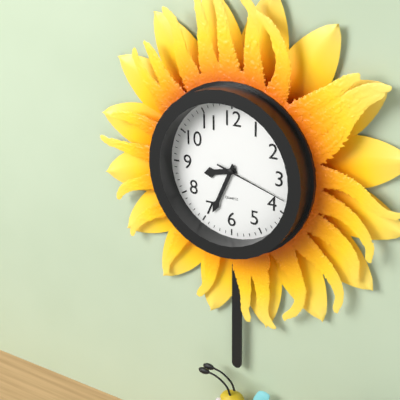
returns 8,34,18
